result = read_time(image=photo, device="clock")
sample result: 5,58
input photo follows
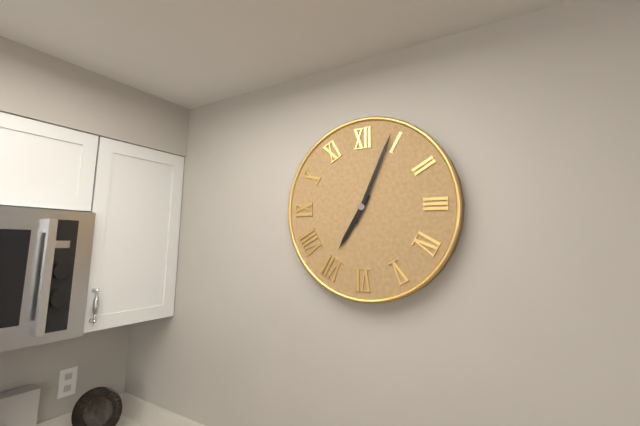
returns 7,04
